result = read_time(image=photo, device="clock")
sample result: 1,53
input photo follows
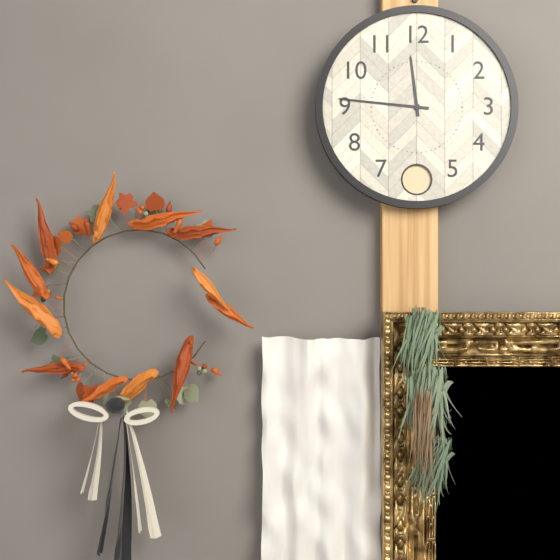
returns 11,46
